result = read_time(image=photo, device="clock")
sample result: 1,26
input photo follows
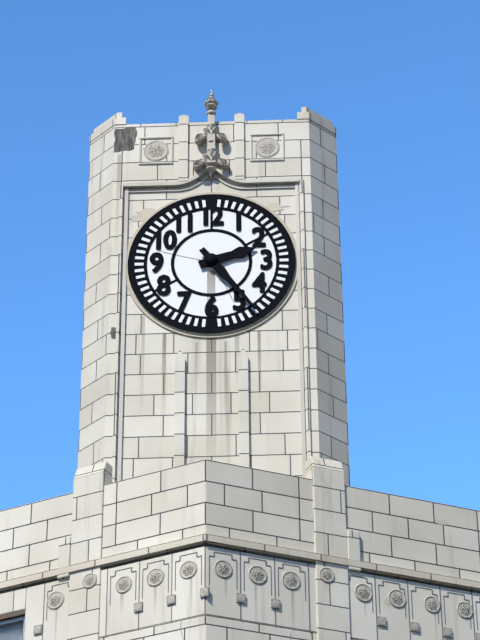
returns 2,24
